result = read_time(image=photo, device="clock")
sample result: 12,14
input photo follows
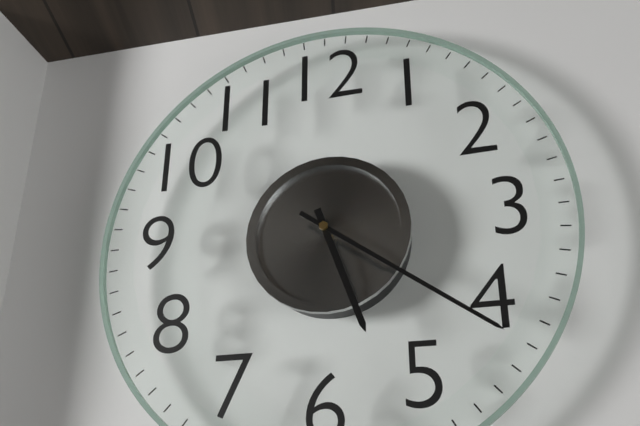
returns 5,21
